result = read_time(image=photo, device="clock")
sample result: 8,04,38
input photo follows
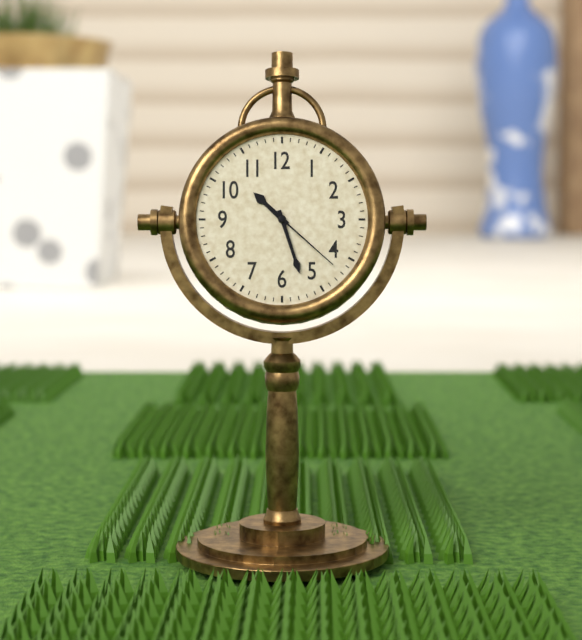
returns 10,27,22
